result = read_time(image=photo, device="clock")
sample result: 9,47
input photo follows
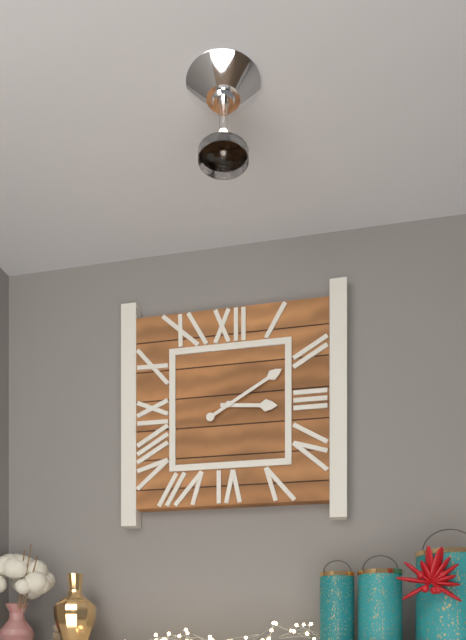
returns 3,10
